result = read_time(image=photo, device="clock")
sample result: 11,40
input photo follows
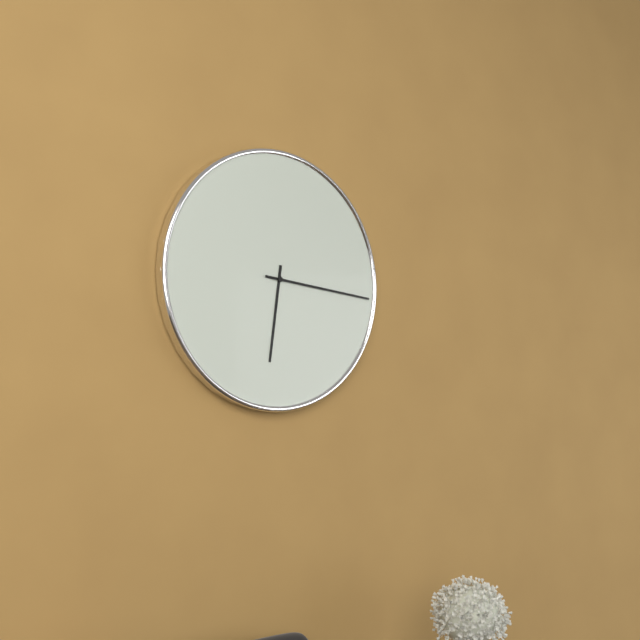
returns 6,16
